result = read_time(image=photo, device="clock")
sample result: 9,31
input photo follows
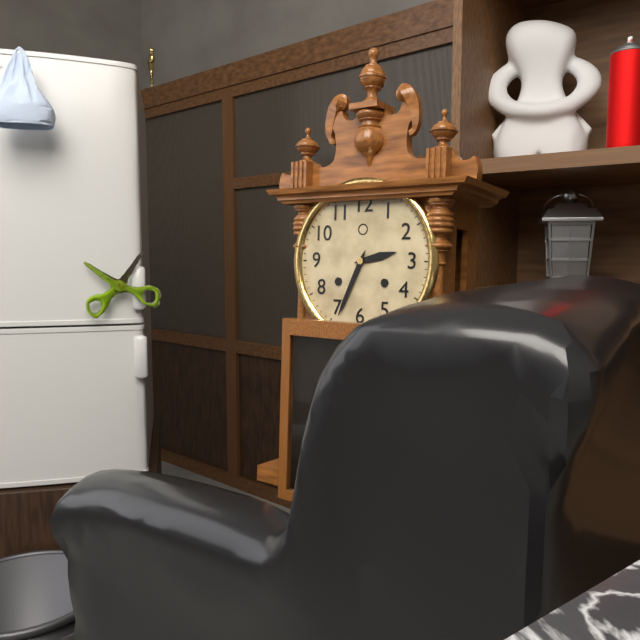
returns 2,34
